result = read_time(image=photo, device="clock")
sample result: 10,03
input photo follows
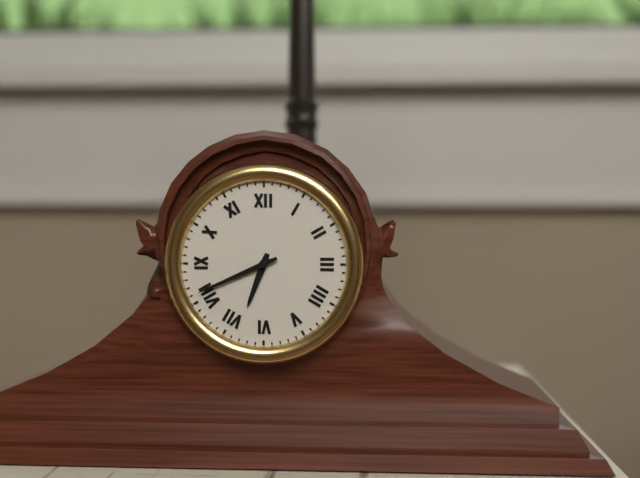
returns 6,41
